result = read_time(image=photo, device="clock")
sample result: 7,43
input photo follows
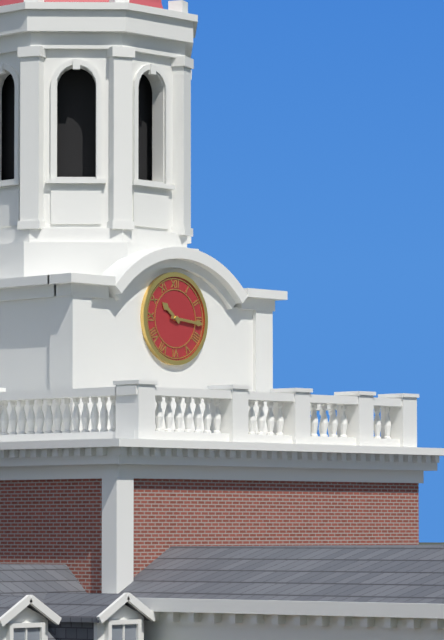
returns 10,16
